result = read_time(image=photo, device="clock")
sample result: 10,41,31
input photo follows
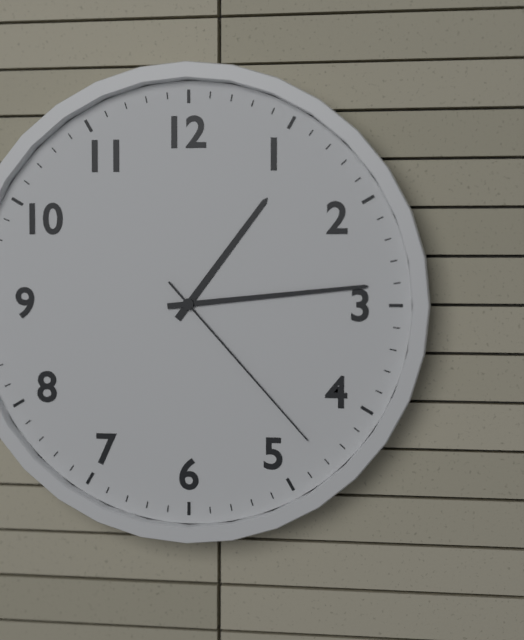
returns 1,14,23
